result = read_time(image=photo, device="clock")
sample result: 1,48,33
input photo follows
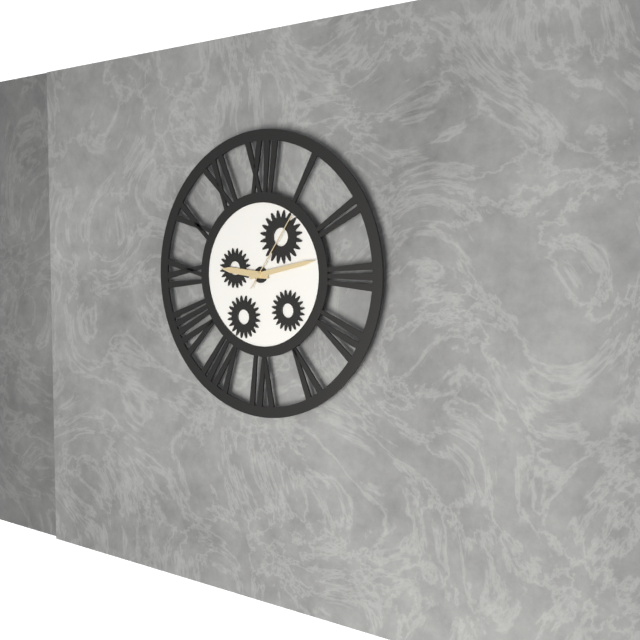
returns 9,13,06
